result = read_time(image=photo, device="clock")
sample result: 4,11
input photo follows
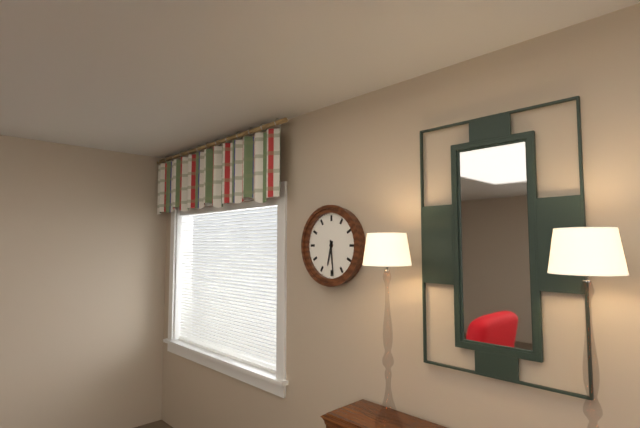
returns 6,29
